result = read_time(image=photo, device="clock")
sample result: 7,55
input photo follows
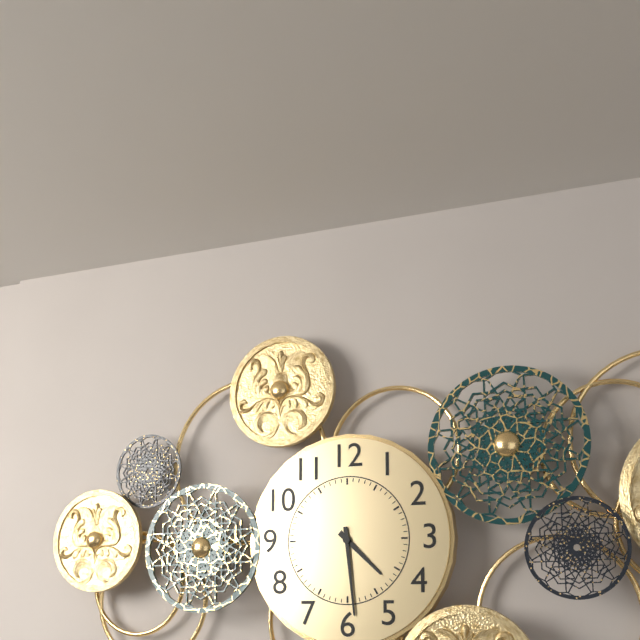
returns 4,29
